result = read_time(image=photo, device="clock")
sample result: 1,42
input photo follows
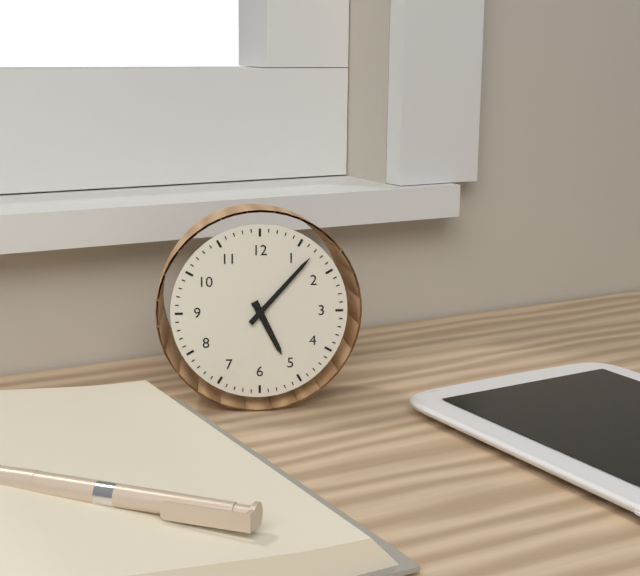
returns 5,07
